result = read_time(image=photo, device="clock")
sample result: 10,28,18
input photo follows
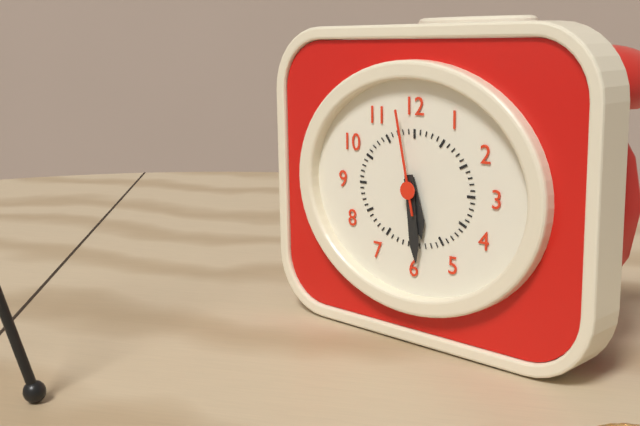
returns 5,29,58
